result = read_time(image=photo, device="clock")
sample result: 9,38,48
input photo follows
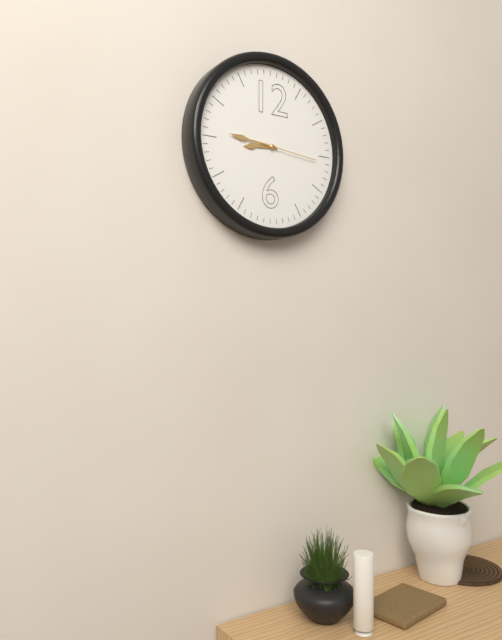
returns 8,46,16
